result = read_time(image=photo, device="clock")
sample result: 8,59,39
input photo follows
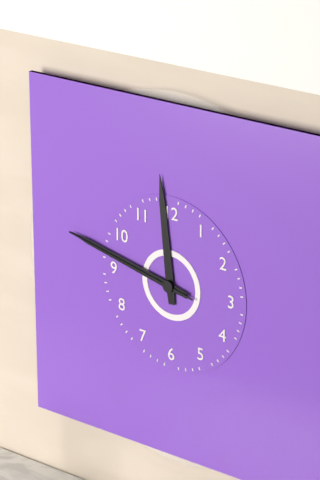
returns 11,47,47
